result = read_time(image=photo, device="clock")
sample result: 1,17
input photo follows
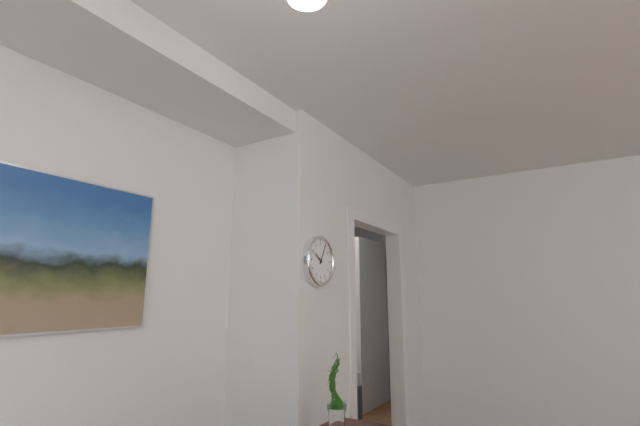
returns 10,05
